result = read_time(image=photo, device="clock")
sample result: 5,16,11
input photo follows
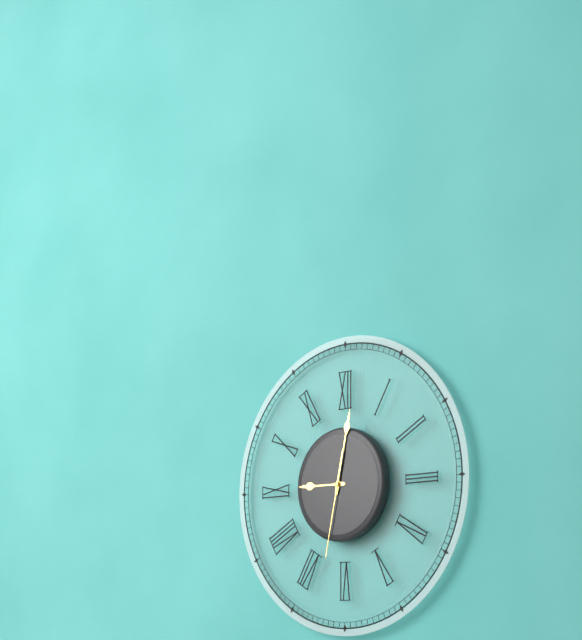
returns 9,02,32
